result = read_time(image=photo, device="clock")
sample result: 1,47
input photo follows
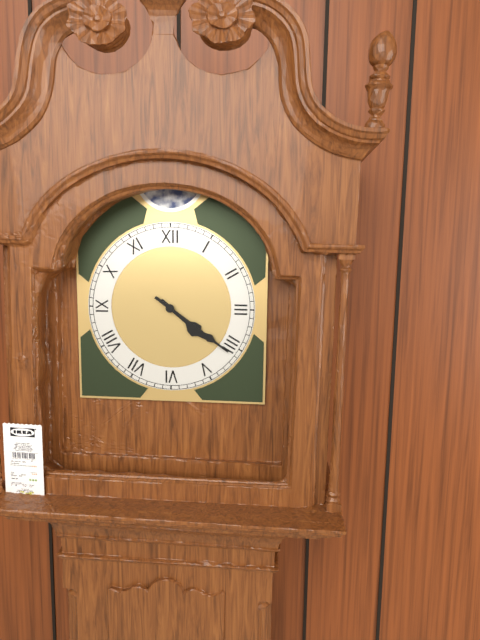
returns 4,21
